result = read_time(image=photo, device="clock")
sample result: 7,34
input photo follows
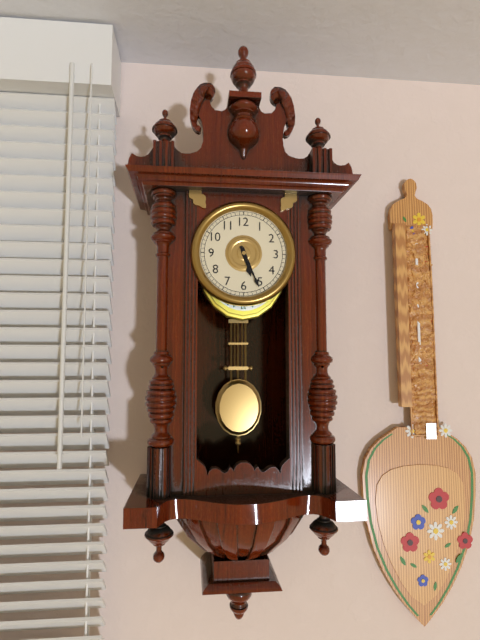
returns 5,26
